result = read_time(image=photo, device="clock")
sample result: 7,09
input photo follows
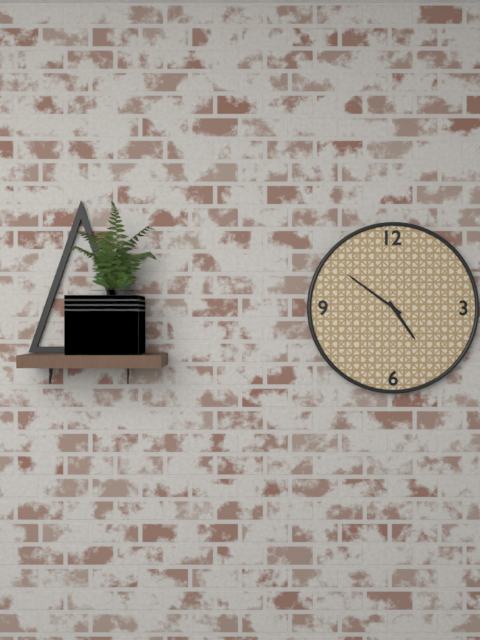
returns 4,51
